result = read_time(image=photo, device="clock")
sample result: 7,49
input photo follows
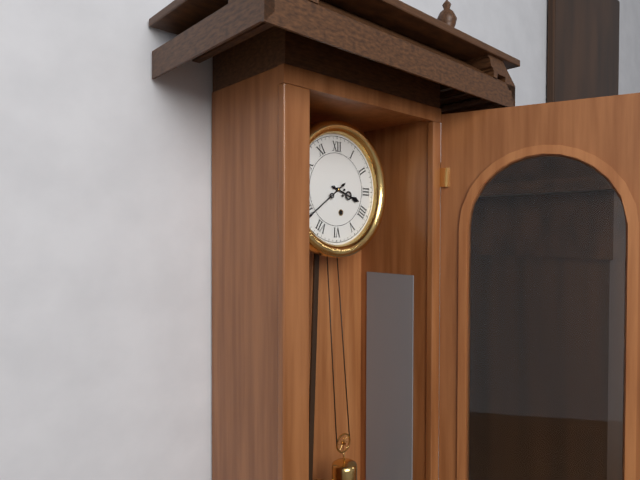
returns 3,39
